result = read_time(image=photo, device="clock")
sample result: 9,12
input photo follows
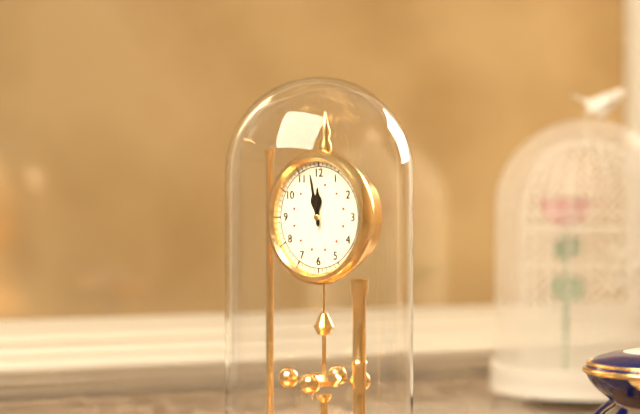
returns 11,58
